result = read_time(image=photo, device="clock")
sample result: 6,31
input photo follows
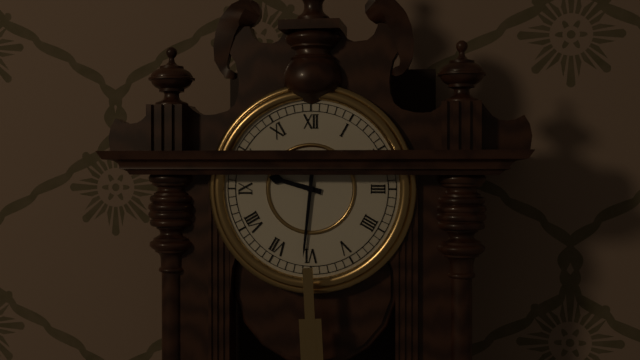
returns 9,31
